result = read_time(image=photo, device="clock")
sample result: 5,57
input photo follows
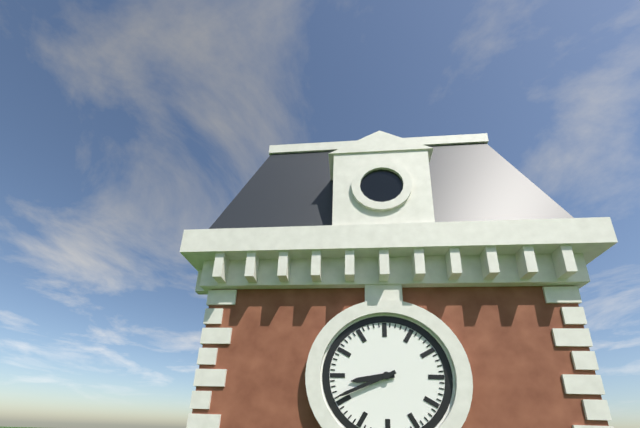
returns 8,41
